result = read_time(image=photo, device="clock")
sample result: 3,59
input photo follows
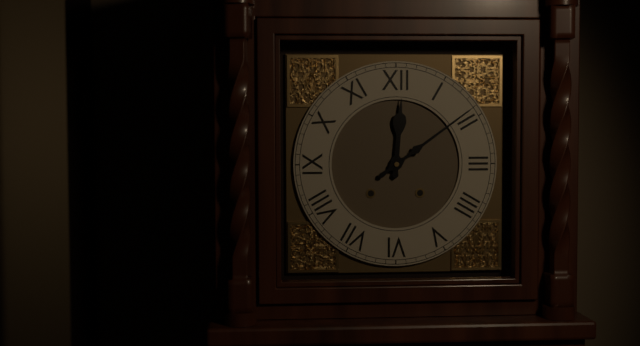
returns 12,09
